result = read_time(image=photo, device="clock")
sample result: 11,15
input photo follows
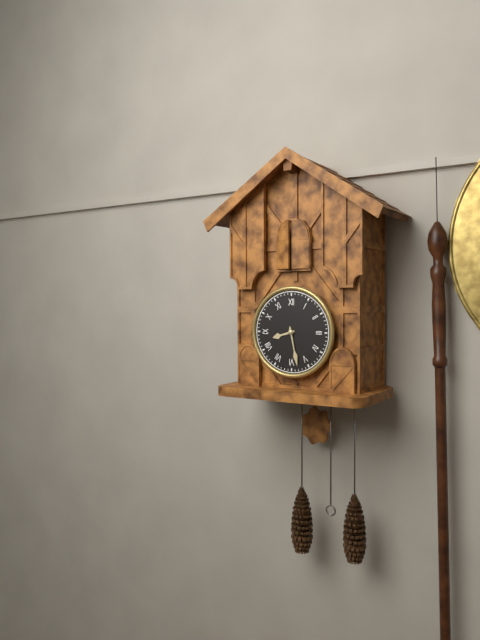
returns 8,28
